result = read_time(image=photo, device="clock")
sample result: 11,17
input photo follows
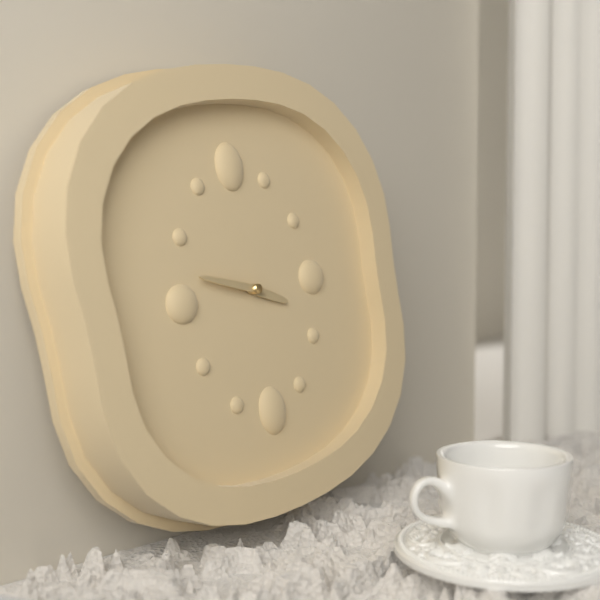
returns 3,48
